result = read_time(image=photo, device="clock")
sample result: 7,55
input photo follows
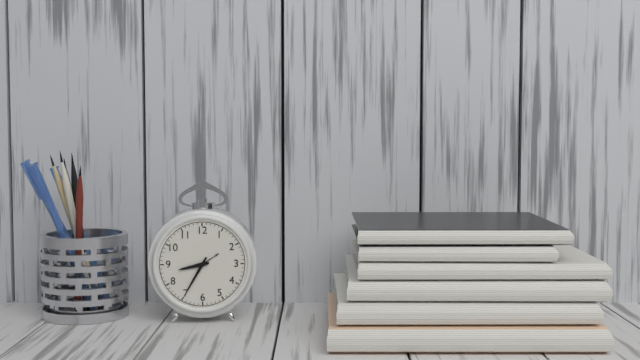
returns 8,35
